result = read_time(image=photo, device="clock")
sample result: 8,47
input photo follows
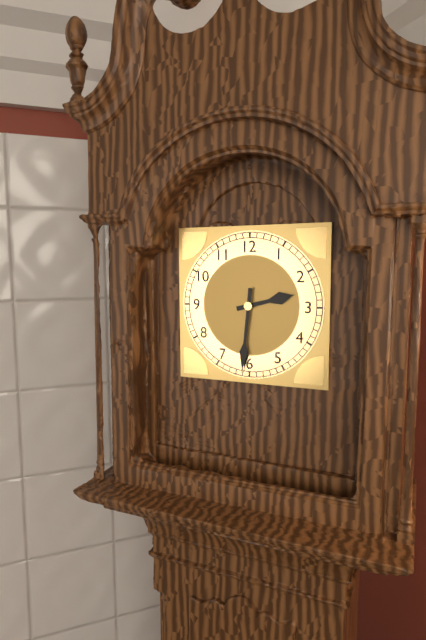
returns 2,31
